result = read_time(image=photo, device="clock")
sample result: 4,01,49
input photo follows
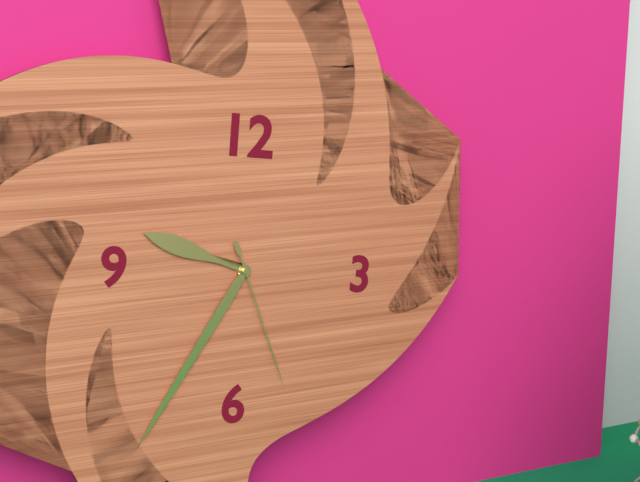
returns 9,35,26
